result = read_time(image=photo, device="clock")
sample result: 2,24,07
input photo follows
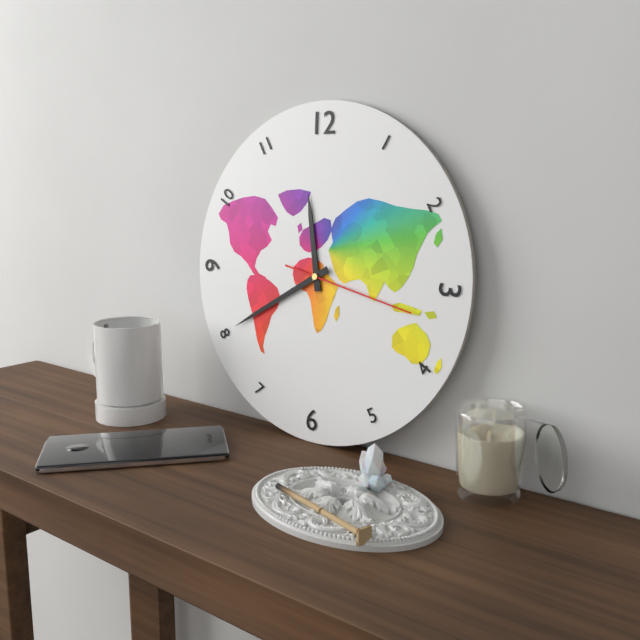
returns 11,40,17
